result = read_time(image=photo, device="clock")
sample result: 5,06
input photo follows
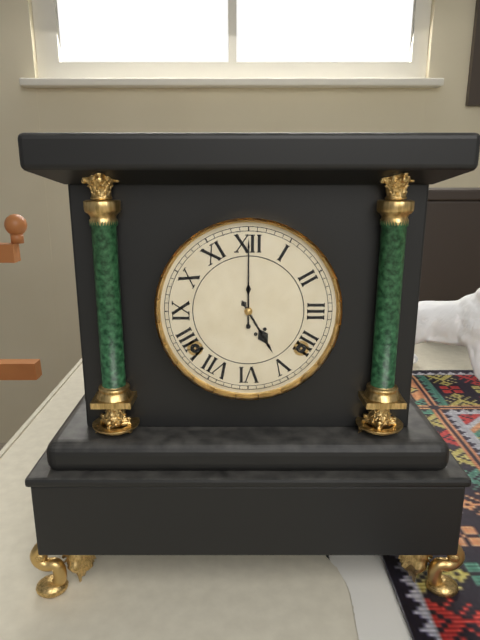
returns 5,00
